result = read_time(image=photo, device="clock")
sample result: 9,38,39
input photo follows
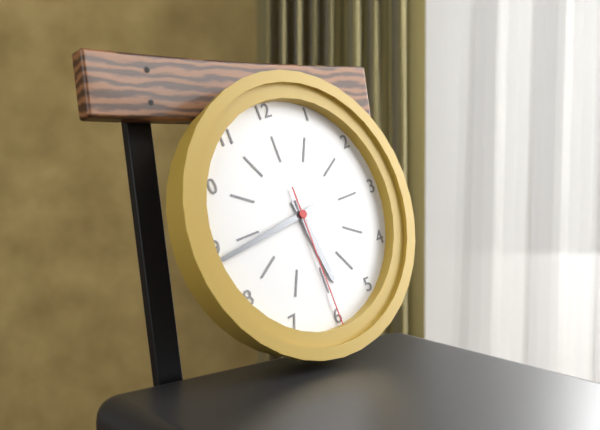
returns 5,44,30
